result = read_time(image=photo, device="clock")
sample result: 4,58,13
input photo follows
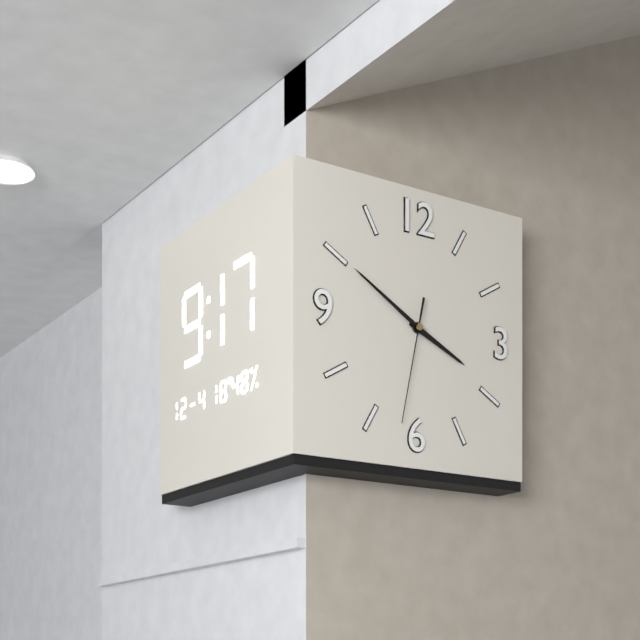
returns 3,50,32
